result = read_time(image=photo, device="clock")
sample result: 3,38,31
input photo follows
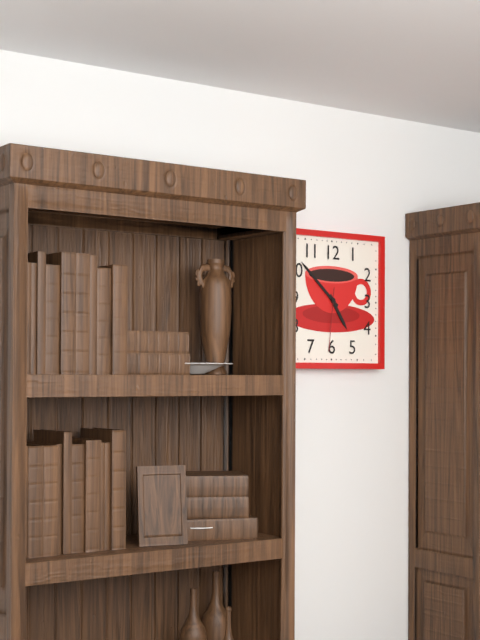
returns 4,52,31
